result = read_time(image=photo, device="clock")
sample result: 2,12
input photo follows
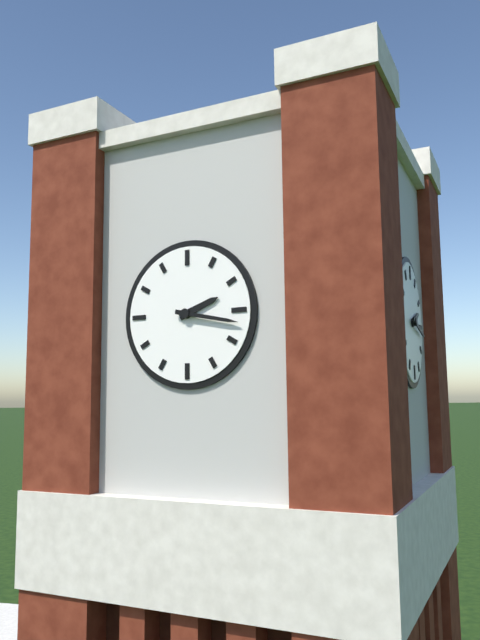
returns 2,17
